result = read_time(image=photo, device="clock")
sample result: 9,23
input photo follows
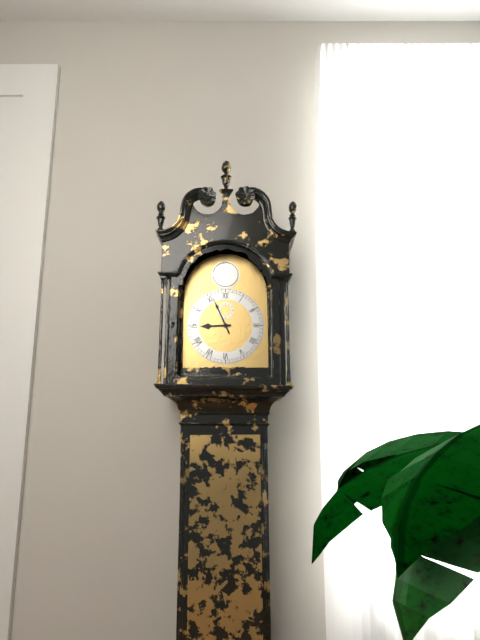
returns 8,56
